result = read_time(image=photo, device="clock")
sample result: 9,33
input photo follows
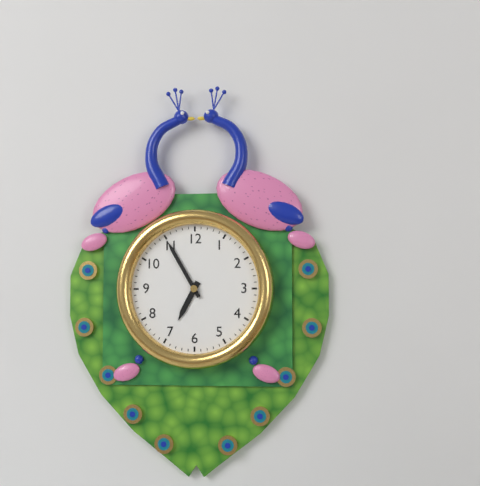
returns 6,55
